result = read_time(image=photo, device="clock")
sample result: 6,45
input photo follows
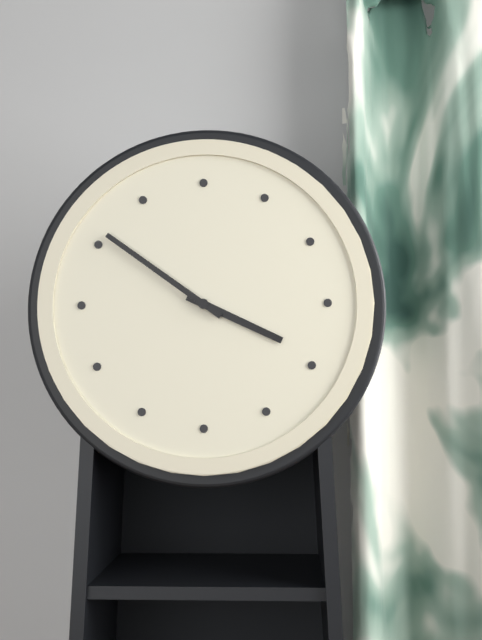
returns 3,51
